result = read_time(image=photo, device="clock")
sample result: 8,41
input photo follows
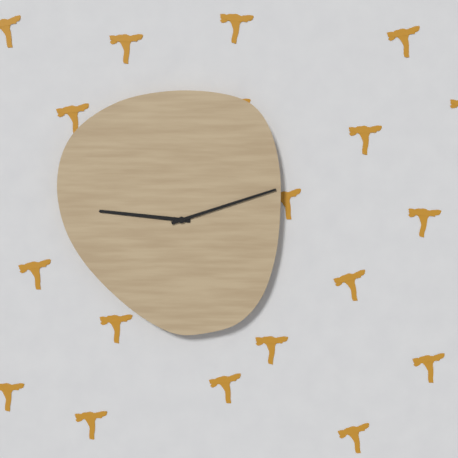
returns 9,12
